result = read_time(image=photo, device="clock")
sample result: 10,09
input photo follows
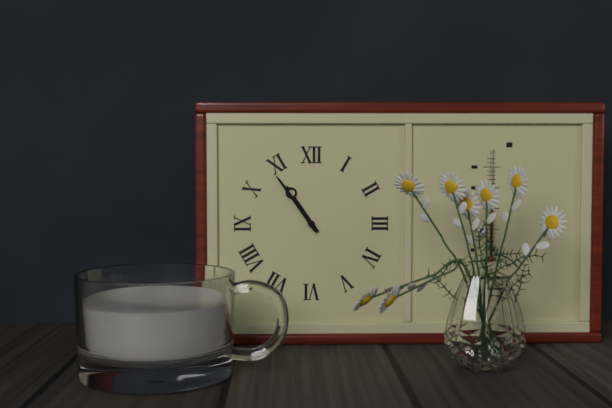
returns 10,54
